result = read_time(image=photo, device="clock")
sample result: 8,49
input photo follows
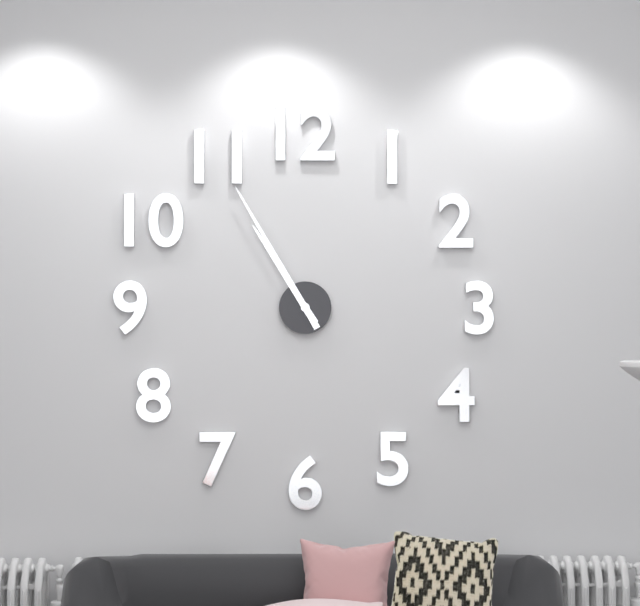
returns 10,55
